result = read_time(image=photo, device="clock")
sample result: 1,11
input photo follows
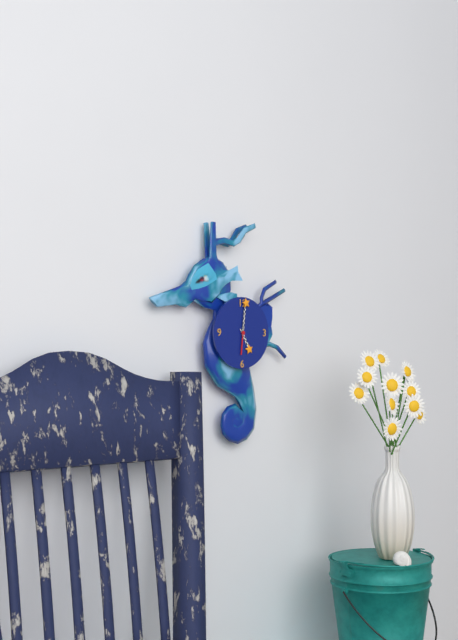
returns 5,01
